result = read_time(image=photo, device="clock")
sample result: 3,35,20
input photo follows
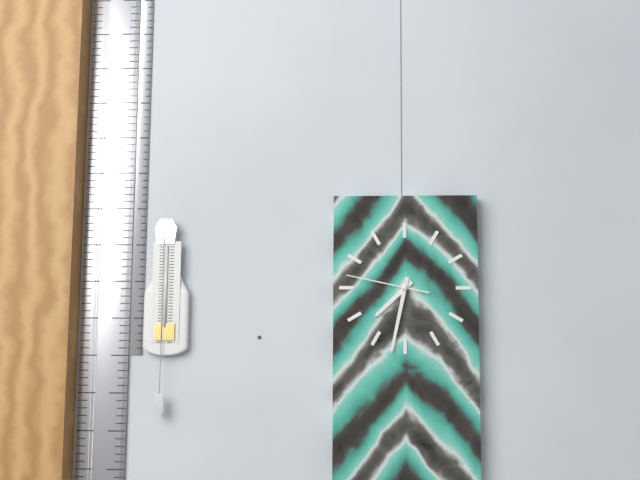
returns 7,32,47
